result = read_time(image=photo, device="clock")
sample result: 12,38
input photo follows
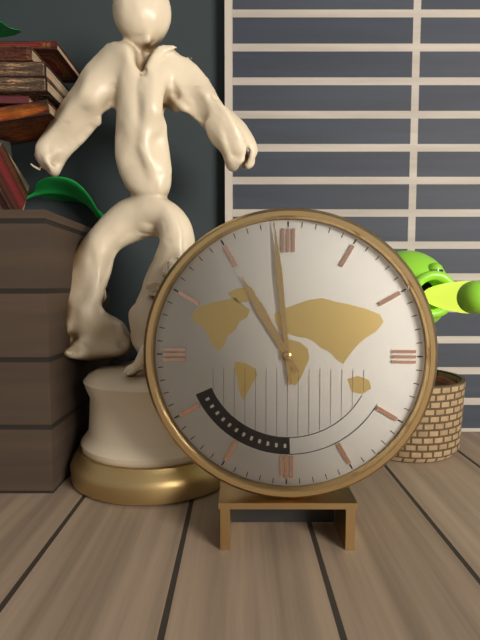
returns 10,59
